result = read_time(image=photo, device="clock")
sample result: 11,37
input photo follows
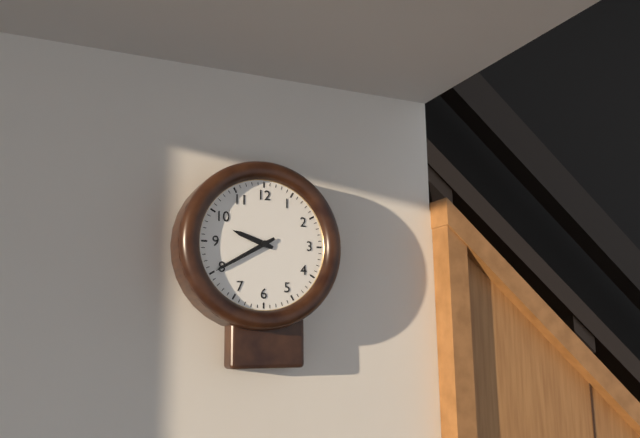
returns 9,40
